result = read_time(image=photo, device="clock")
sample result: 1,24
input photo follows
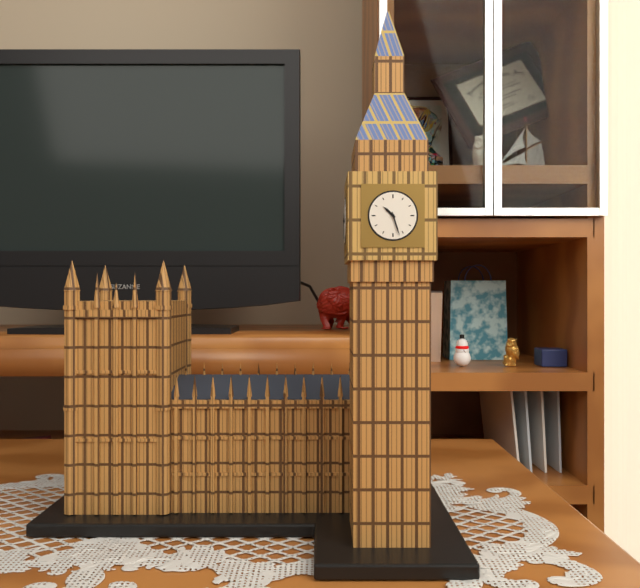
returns 10,27
